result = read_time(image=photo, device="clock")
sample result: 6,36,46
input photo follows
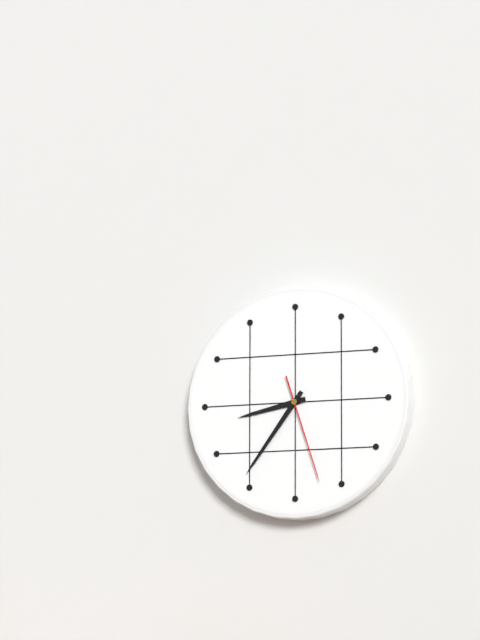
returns 8,36,27
